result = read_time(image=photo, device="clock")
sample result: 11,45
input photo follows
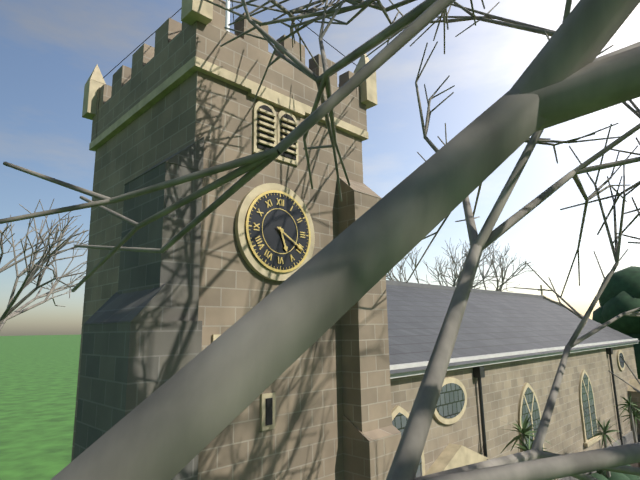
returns 5,20
